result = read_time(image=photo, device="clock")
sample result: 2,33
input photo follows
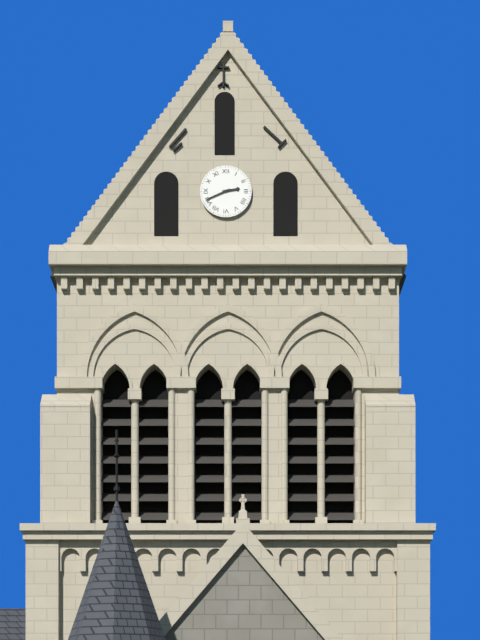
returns 2,41
